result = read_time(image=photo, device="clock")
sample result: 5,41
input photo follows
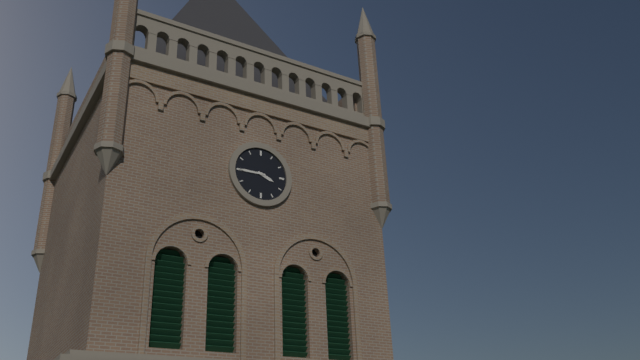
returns 3,45
